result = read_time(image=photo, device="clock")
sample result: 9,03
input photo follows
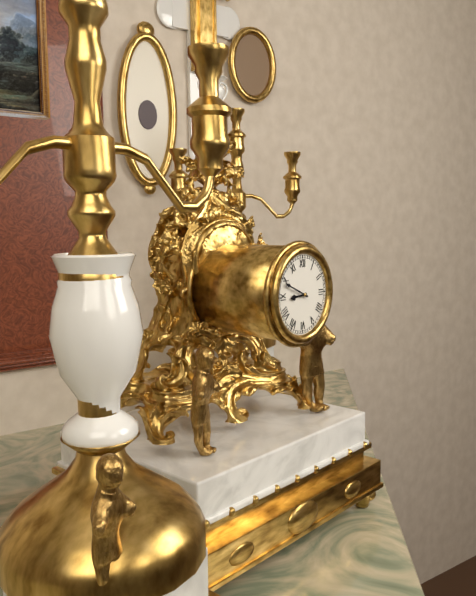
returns 8,49
